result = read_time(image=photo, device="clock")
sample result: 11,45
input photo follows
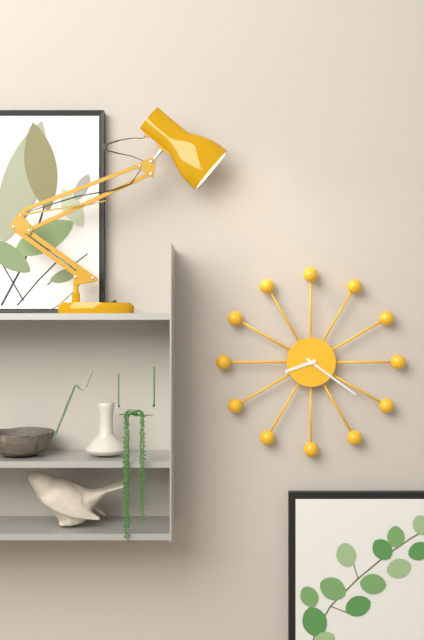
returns 8,21
